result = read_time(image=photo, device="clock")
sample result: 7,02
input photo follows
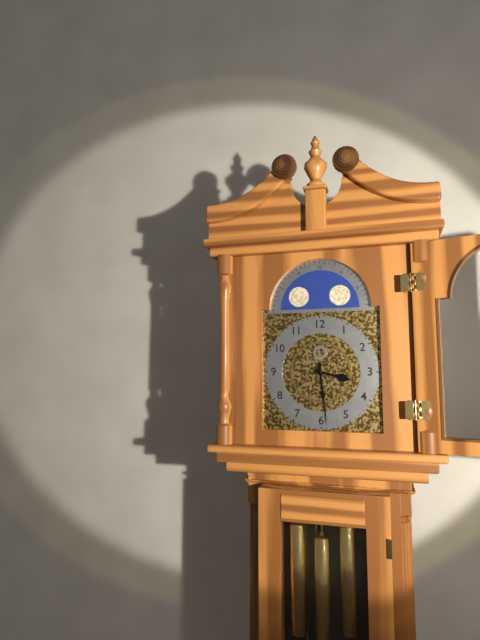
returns 3,29
